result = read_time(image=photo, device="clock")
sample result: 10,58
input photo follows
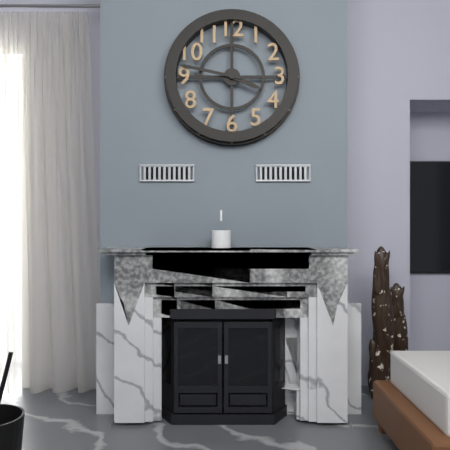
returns 3,47
